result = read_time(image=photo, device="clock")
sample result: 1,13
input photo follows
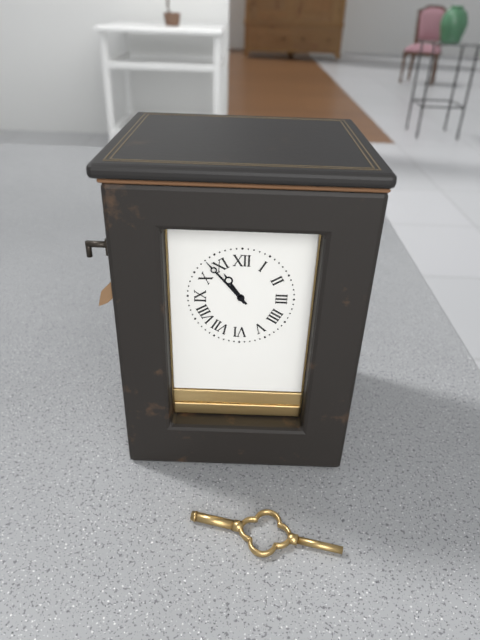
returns 10,53
